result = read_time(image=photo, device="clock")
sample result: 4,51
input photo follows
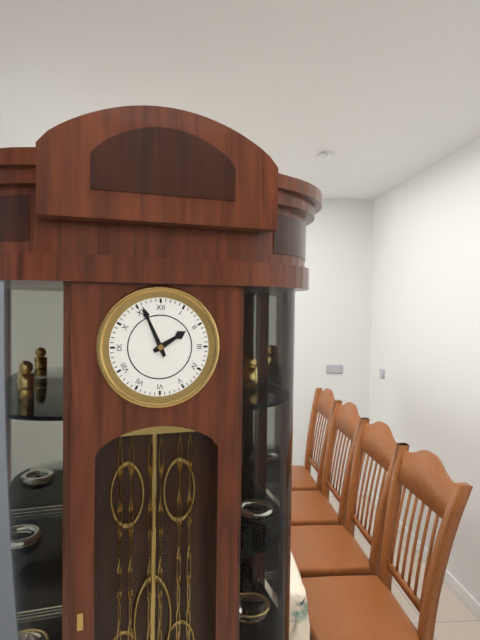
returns 1,56
